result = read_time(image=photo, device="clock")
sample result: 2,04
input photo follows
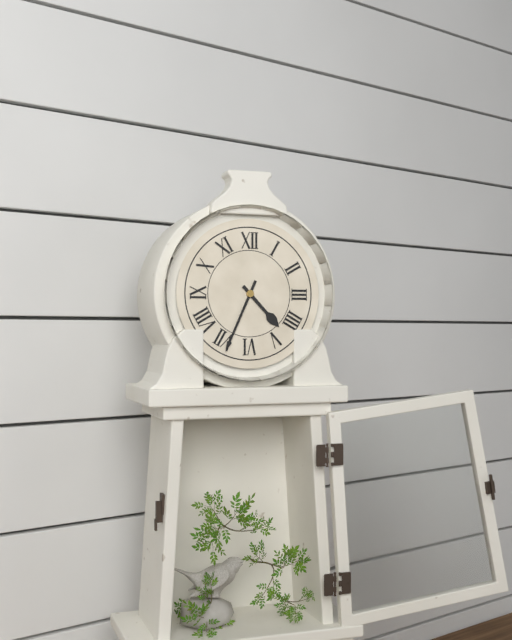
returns 4,34
